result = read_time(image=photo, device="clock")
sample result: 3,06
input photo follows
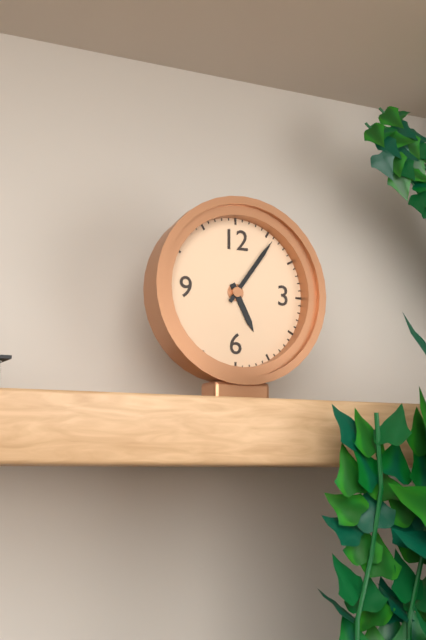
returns 5,06
